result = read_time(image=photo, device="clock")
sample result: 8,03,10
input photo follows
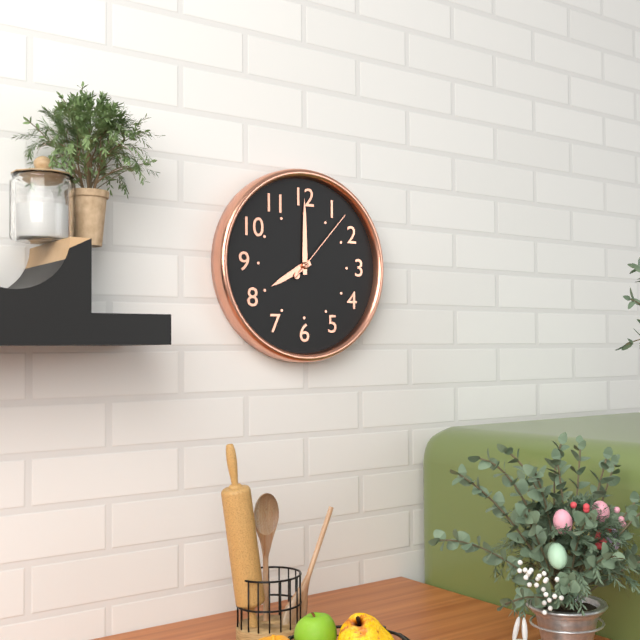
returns 8,00,07
